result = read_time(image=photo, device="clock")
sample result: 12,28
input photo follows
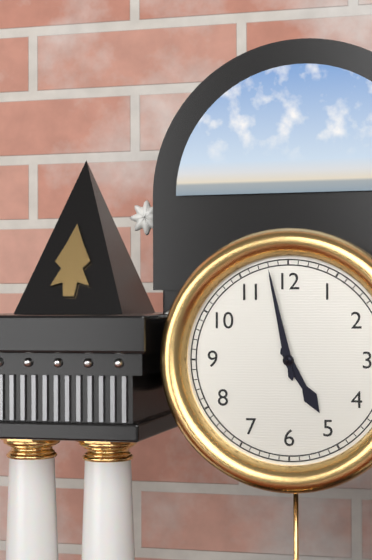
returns 4,58
